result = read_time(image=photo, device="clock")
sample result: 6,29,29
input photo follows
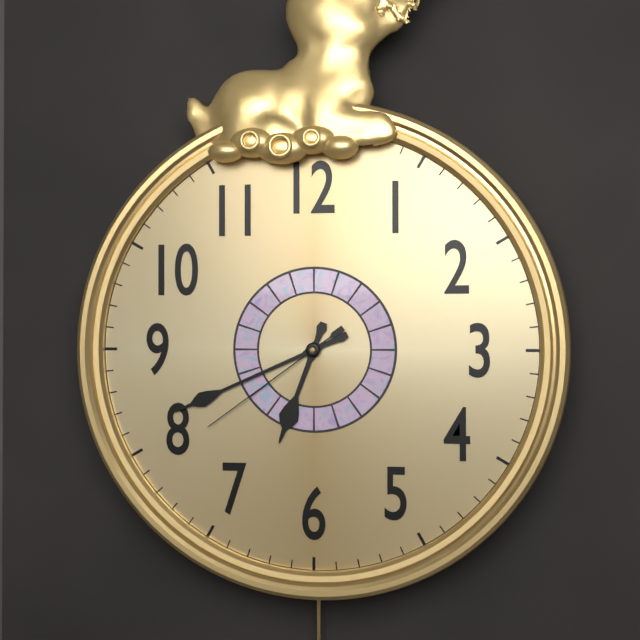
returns 6,41,39
